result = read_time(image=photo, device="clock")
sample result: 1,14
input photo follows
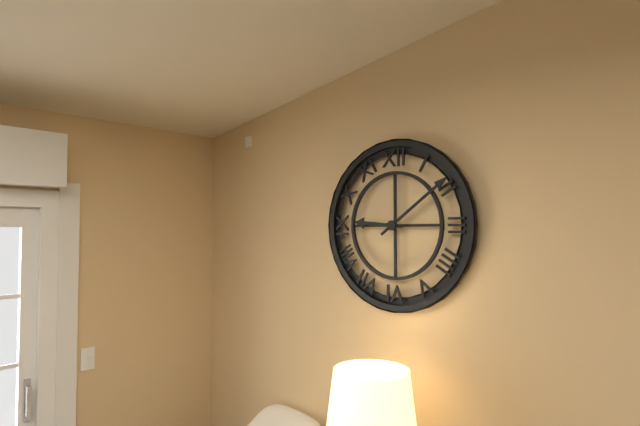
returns 9,09
